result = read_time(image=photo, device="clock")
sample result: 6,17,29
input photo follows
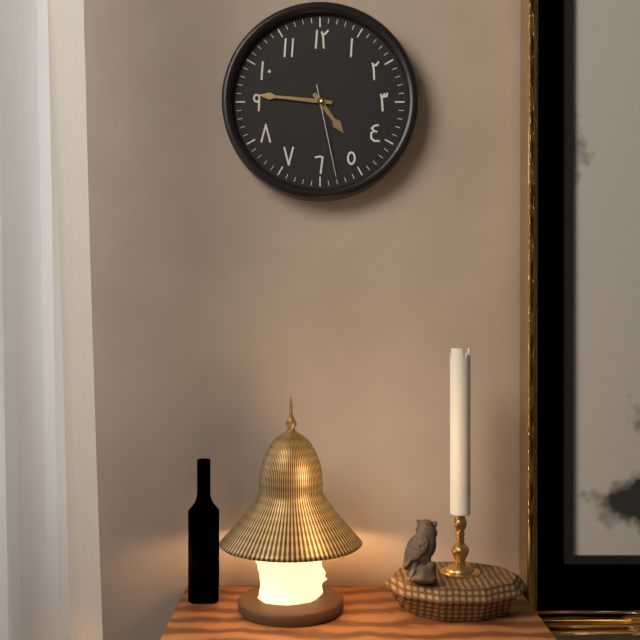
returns 4,46,28
